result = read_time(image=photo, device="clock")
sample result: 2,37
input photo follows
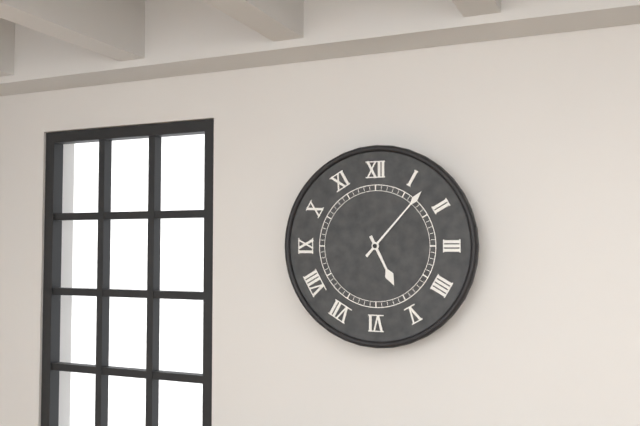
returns 5,07
